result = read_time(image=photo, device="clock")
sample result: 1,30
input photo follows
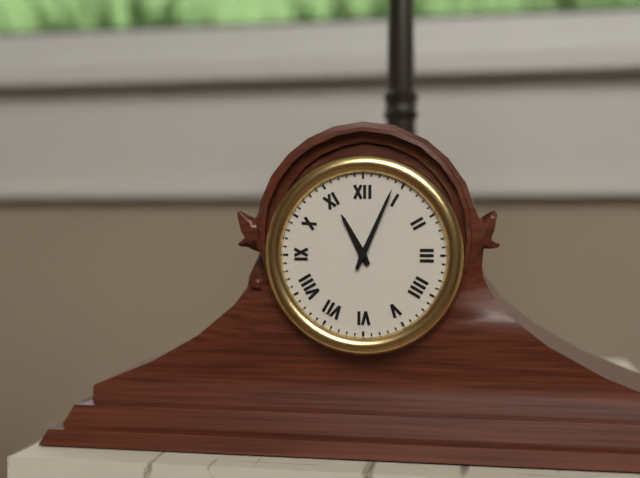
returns 11,04
